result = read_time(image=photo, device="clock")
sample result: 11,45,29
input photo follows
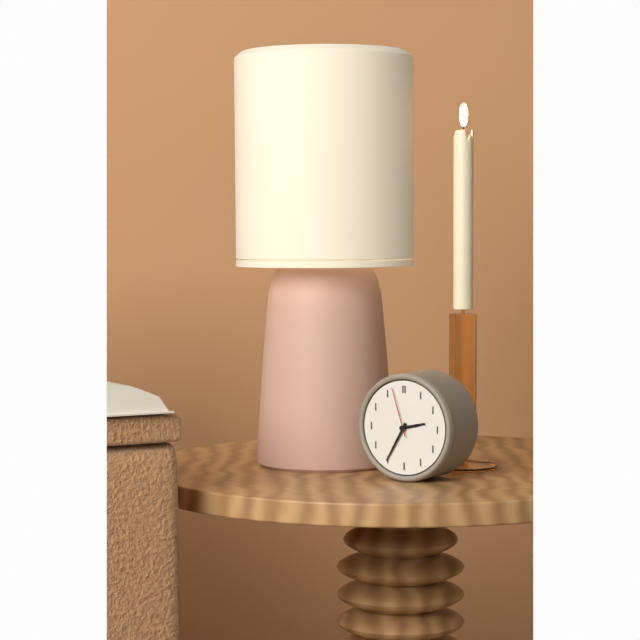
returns 2,35,57
